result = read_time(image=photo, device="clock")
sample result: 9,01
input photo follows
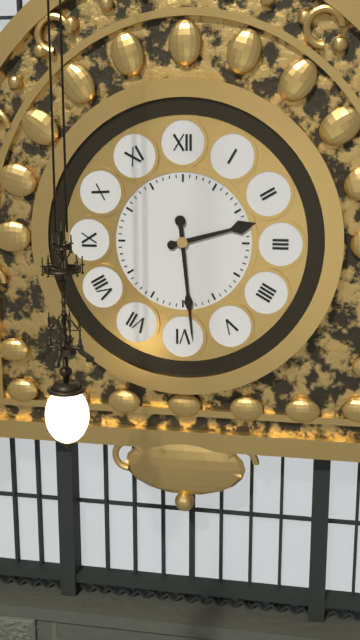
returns 2,29
